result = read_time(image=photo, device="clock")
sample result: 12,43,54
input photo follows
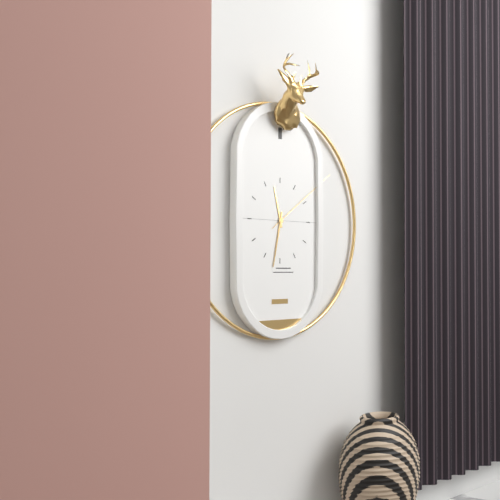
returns 11,32,09
